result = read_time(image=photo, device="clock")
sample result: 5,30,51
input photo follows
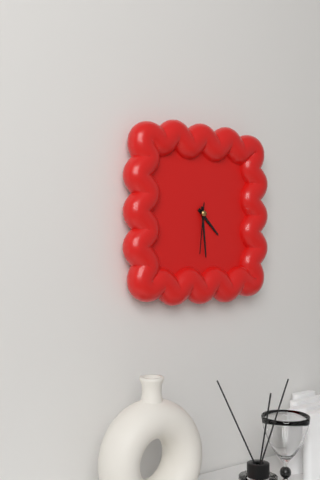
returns 4,29,31
